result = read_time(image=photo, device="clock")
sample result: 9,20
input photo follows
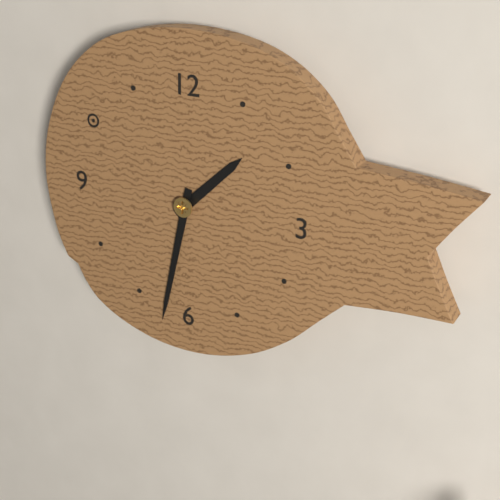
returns 1,32
